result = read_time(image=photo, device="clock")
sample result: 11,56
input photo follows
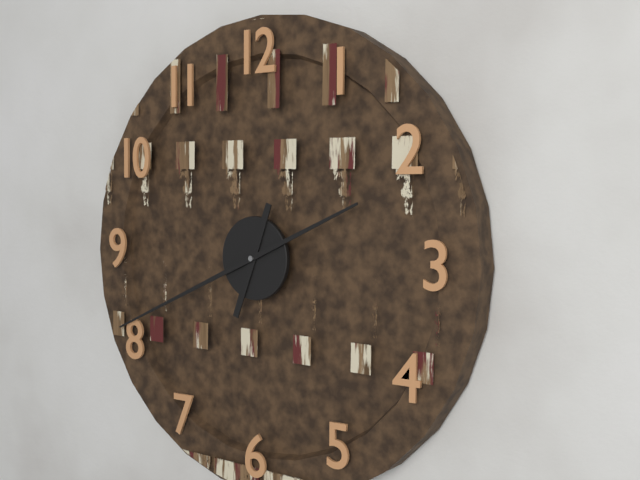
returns 6,41
